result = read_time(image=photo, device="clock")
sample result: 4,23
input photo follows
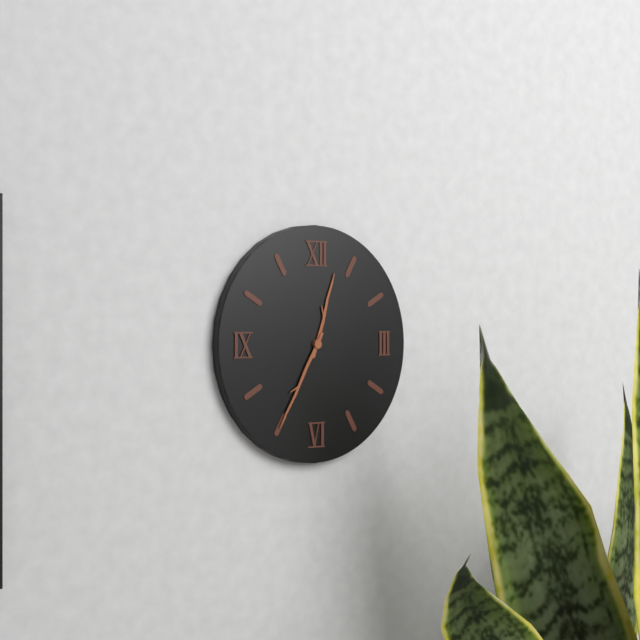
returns 12,35
